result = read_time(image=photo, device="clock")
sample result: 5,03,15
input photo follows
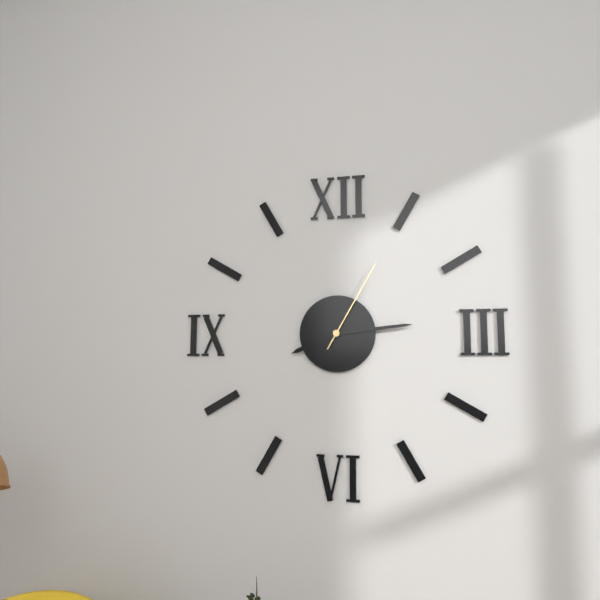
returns 8,14,05
